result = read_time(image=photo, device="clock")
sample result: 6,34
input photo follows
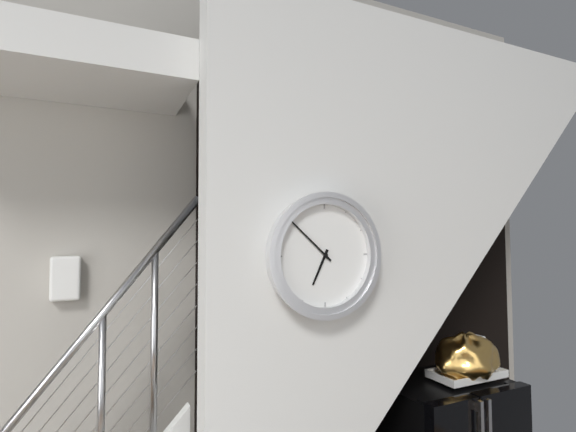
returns 6,52
